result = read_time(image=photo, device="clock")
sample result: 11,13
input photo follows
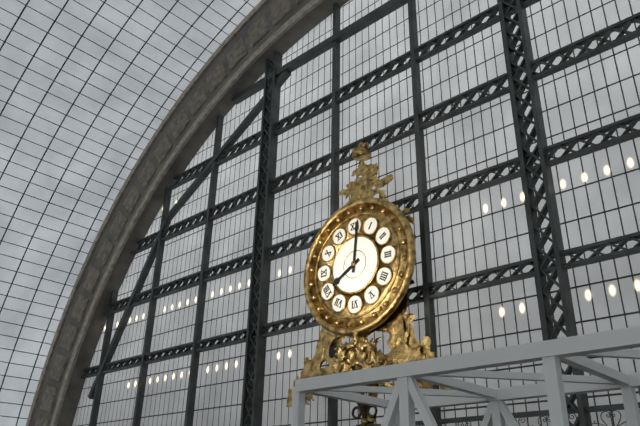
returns 8,01
